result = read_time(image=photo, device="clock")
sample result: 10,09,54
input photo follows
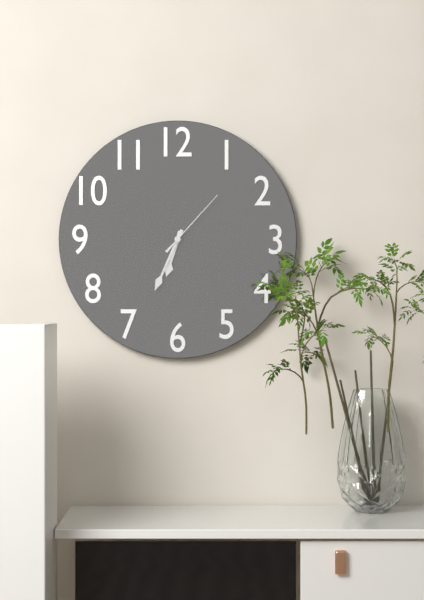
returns 6,34,07
